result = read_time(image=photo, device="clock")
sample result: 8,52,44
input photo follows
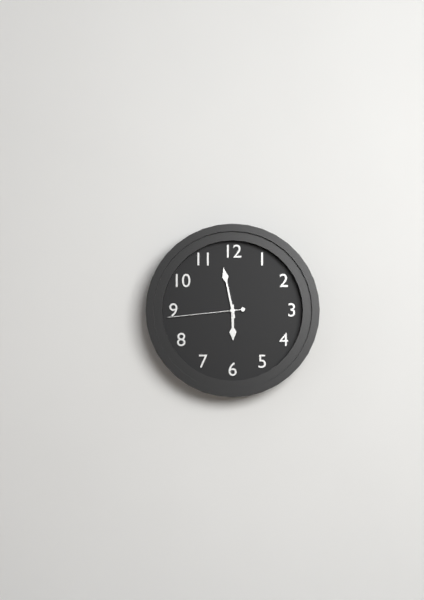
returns 5,58,44
